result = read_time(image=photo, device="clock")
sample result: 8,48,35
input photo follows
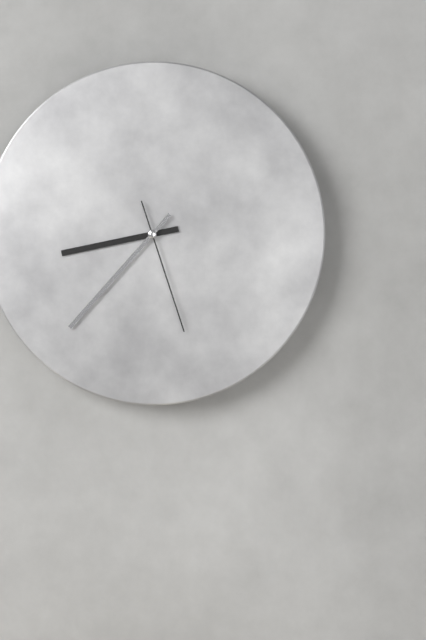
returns 8,37,27
